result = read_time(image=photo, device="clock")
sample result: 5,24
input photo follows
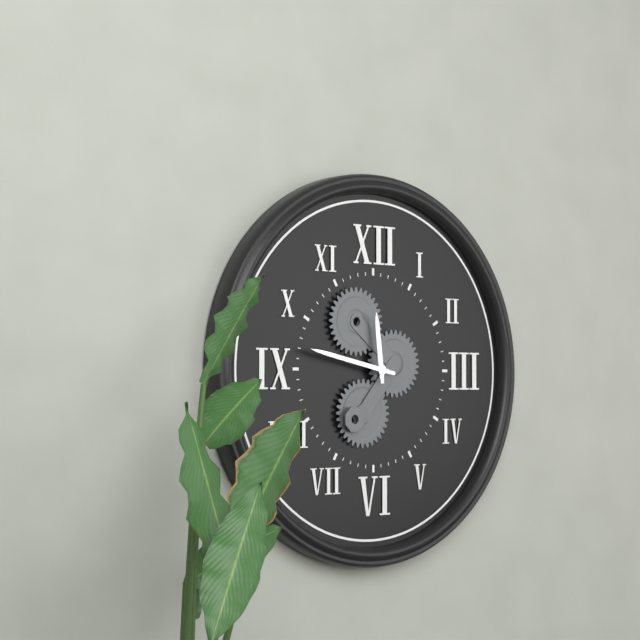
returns 11,47
